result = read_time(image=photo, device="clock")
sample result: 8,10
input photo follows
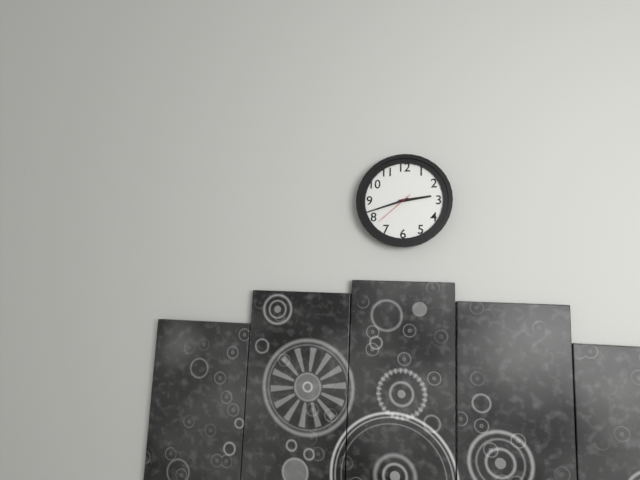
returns 2,42
